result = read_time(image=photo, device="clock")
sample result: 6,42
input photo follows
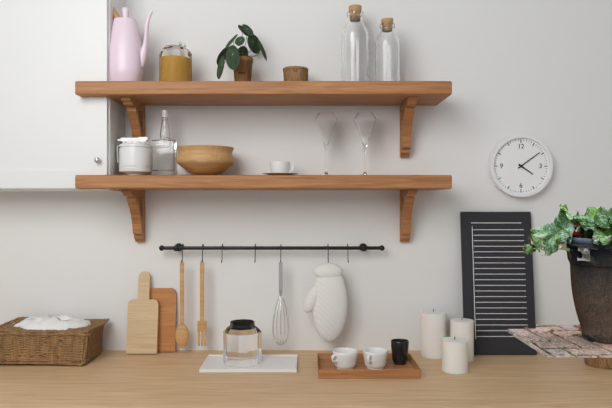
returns 4,09
